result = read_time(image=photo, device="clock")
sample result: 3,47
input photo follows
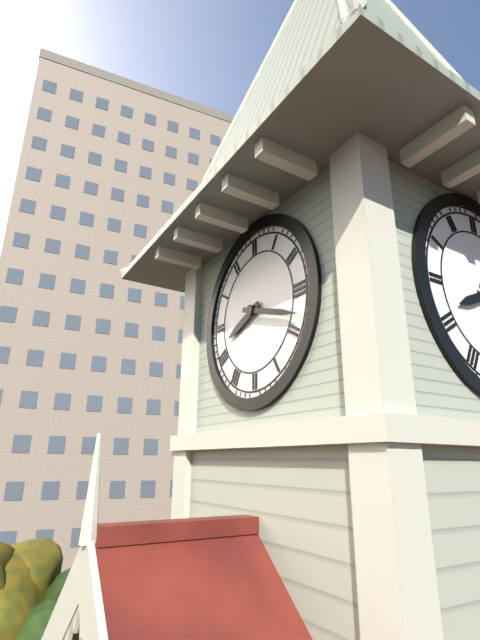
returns 8,18
